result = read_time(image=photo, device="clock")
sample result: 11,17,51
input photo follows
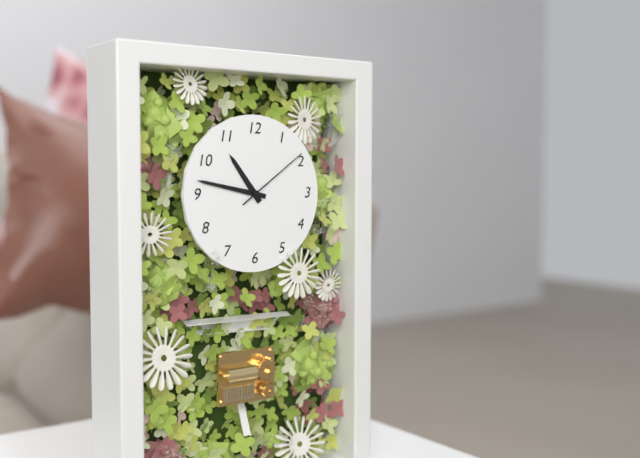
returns 10,47,09
